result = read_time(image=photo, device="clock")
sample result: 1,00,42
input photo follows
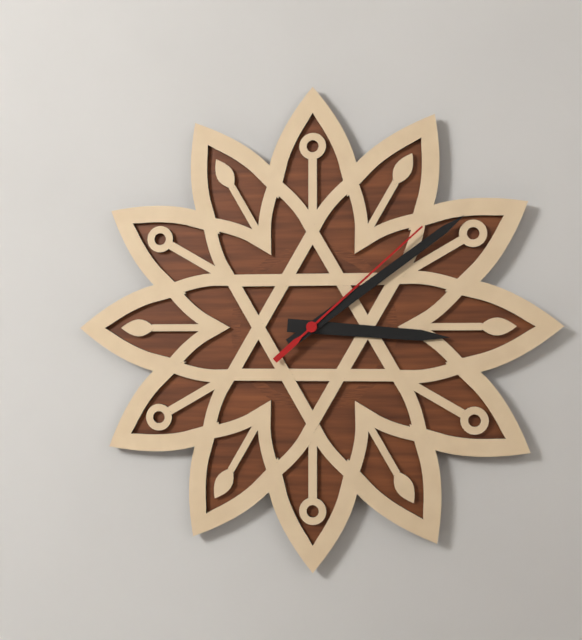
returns 3,09,08
